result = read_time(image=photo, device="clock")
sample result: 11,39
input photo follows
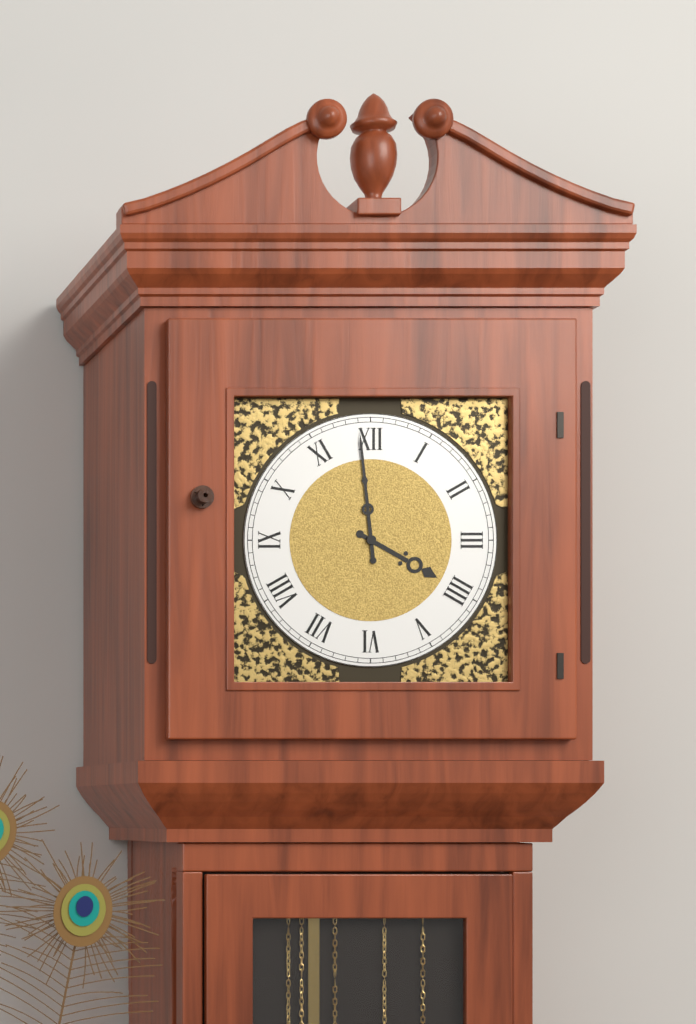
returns 3,59
